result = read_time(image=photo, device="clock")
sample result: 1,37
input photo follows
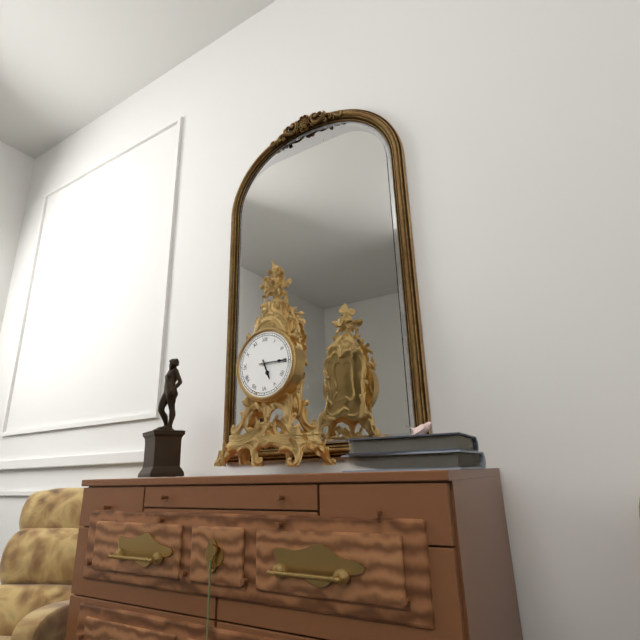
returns 5,15
